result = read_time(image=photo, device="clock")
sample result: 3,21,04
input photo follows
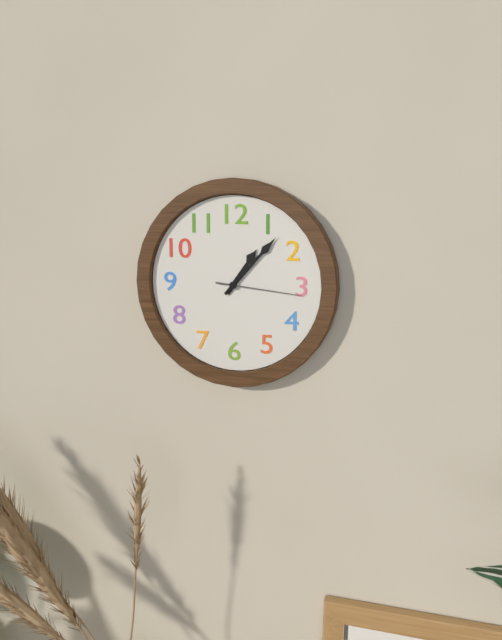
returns 1,07,16
